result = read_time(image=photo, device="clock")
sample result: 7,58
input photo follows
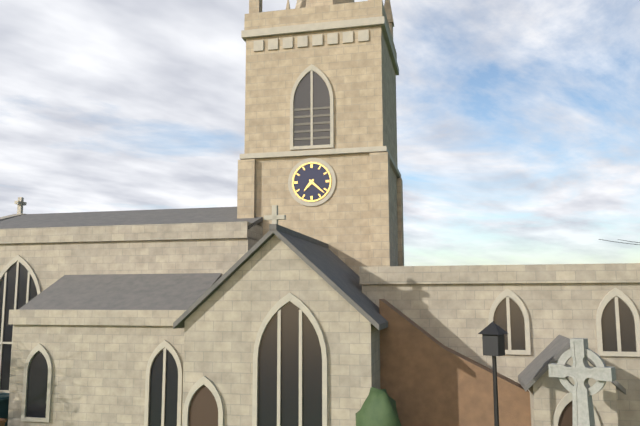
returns 7,22
